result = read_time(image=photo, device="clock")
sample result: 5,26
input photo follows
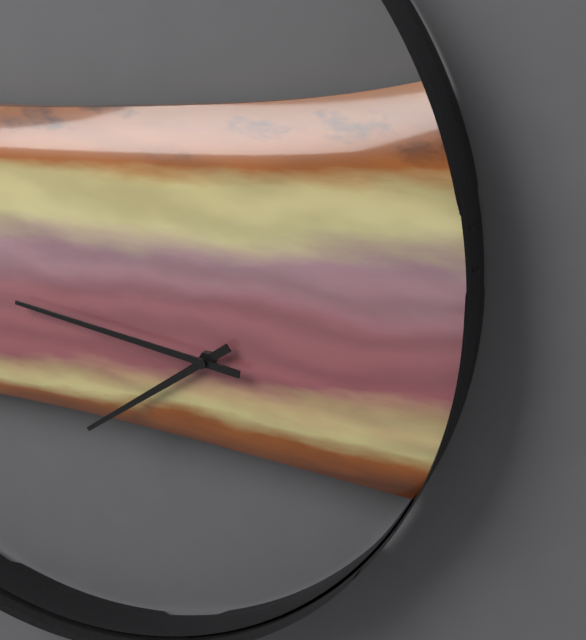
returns 7,46
